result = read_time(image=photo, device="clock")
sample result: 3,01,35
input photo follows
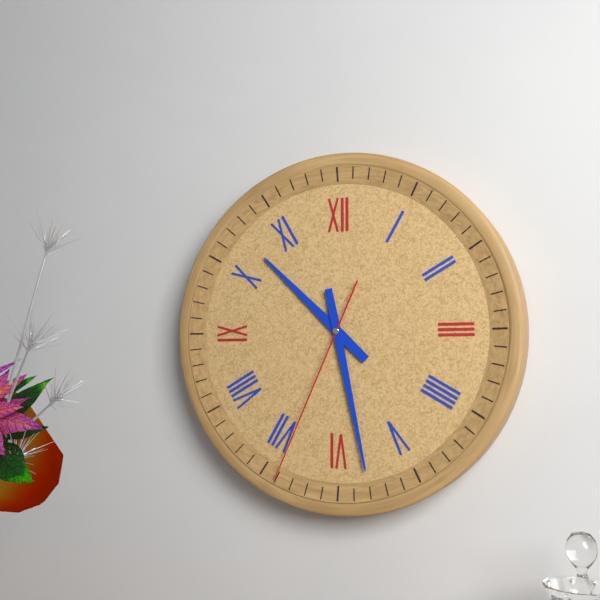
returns 10,28,34
